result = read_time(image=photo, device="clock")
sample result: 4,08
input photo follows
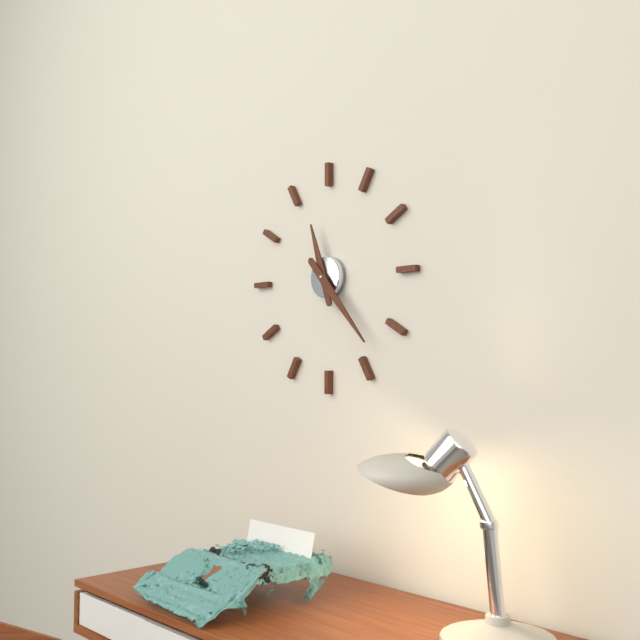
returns 11,23
